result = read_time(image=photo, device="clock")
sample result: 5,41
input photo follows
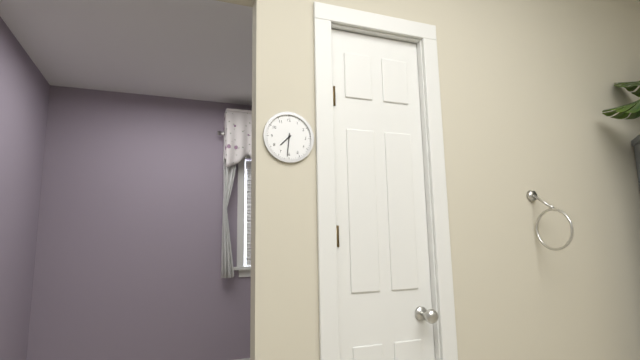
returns 7,31
